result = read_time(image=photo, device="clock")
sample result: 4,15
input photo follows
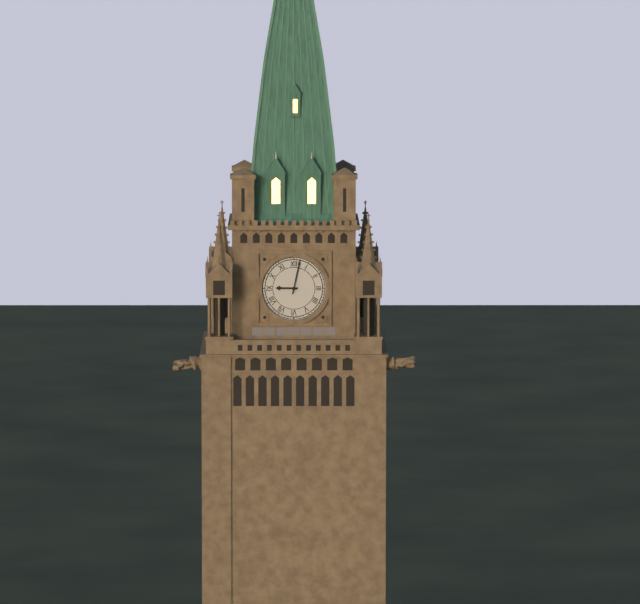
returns 9,02
